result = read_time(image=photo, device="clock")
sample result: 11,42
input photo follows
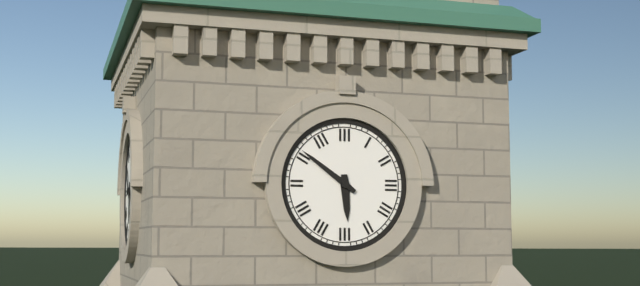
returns 5,51
